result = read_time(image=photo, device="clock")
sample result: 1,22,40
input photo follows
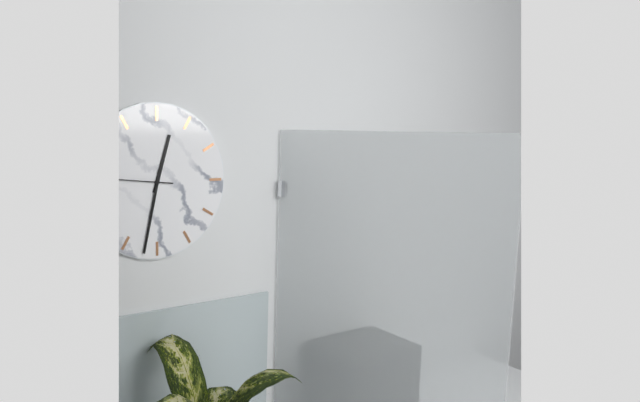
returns 12,32,46
